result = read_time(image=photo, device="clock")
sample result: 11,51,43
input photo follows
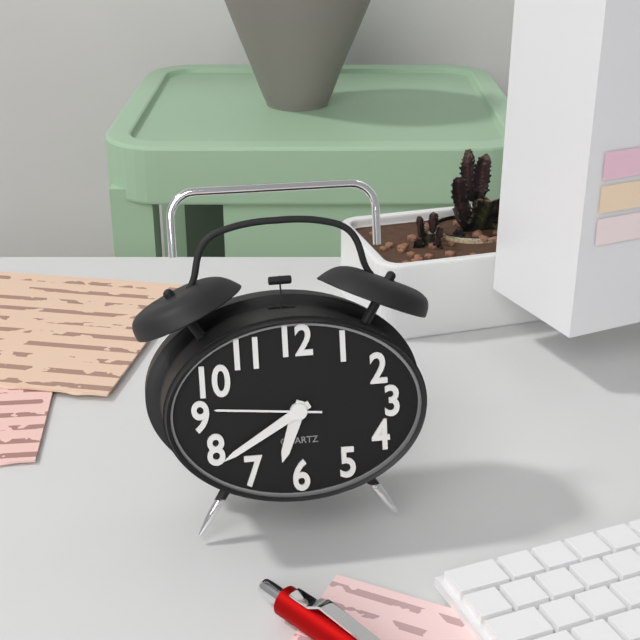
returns 6,40,46
